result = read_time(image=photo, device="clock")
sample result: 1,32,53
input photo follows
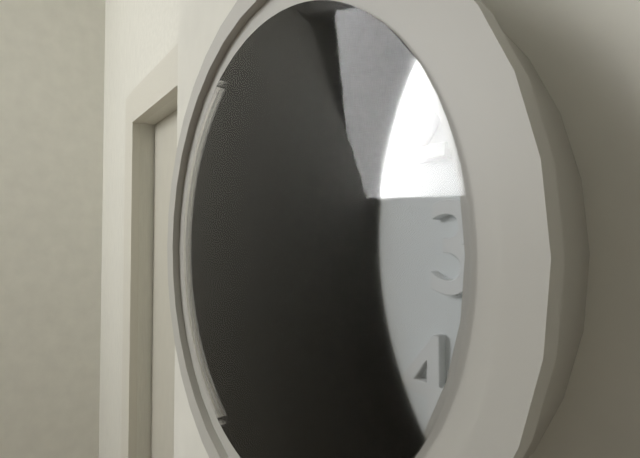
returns 9,59,32
